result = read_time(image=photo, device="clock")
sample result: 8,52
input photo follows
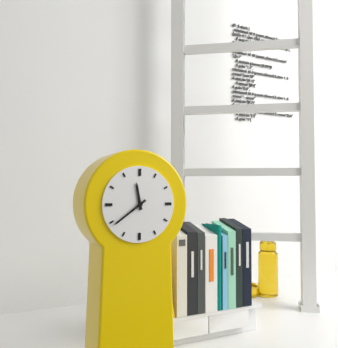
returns 11,39
